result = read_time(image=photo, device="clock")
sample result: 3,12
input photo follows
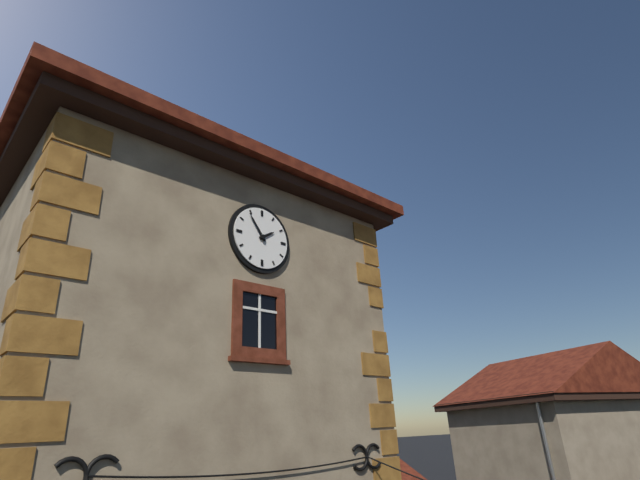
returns 1,54
